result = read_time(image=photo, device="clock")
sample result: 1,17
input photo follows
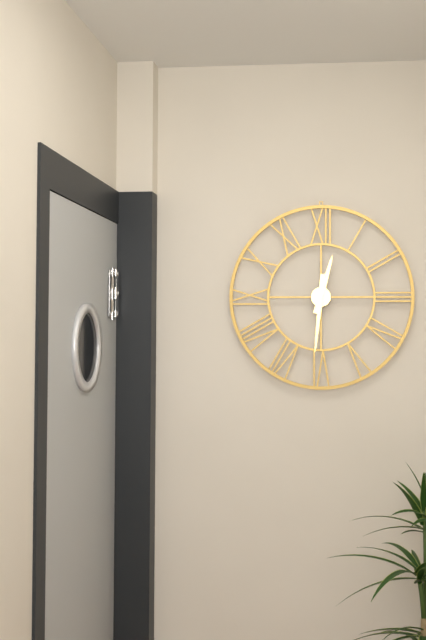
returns 12,31
